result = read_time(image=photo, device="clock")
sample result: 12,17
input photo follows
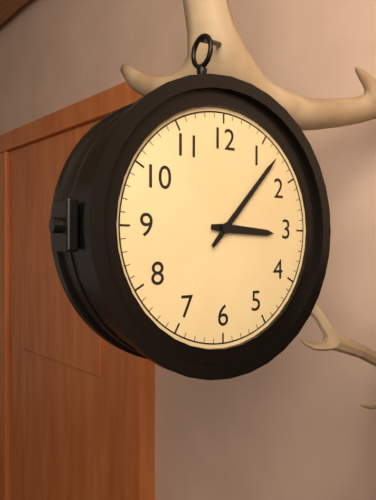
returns 3,07
